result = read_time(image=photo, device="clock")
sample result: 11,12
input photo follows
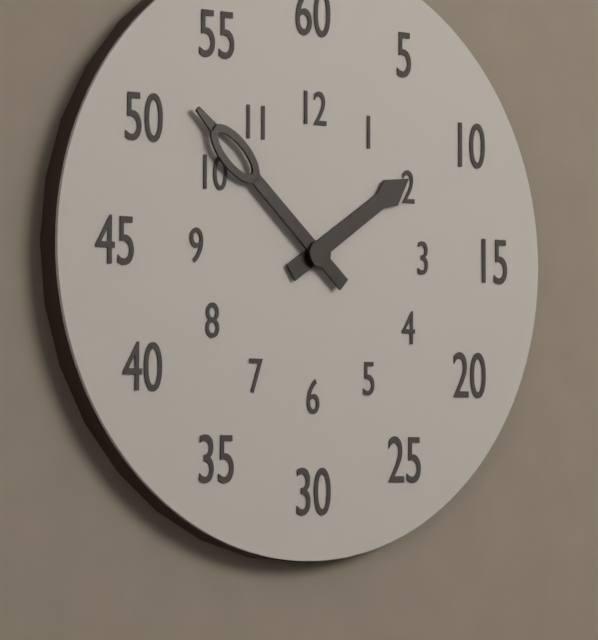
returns 1,52
